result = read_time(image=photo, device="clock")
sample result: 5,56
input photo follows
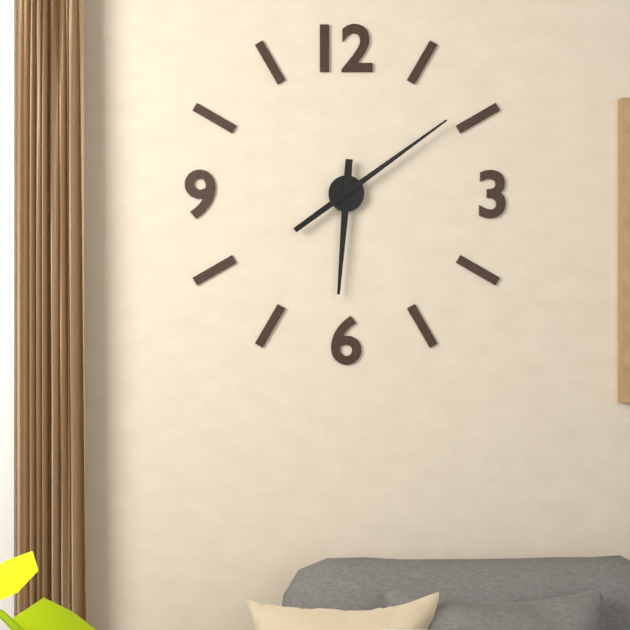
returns 6,09
